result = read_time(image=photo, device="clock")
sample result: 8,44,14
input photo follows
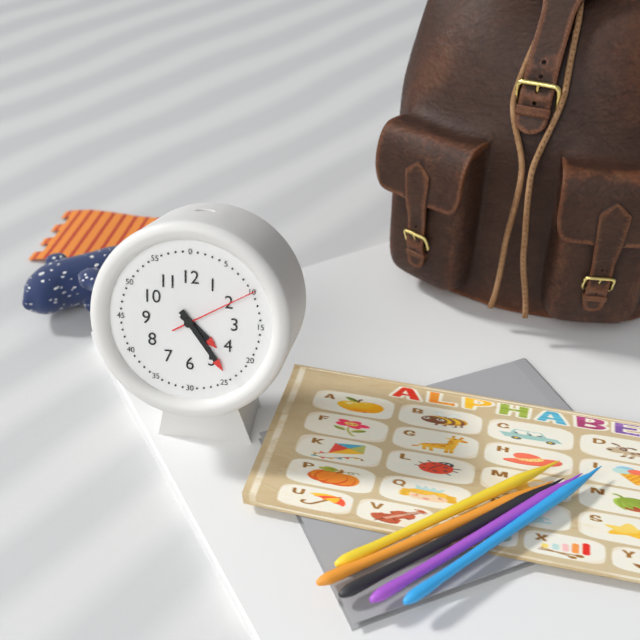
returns 4,24,10
